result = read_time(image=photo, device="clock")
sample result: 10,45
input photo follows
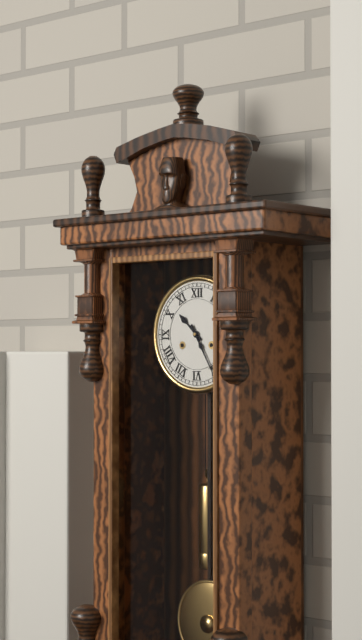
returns 10,25
